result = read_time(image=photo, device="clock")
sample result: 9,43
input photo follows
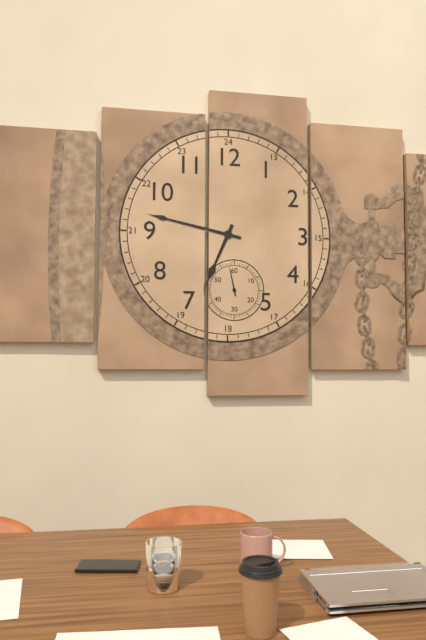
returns 6,47
